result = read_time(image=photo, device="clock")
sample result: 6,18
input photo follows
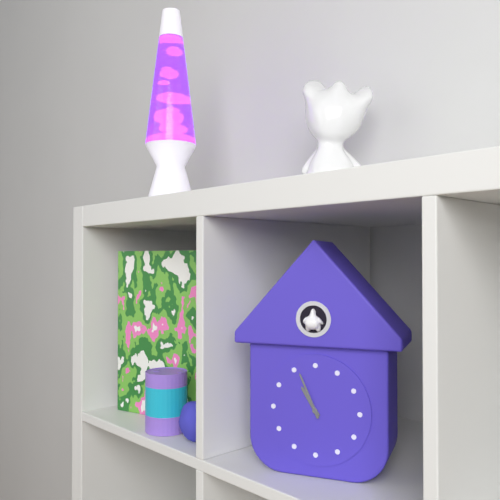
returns 10,56
